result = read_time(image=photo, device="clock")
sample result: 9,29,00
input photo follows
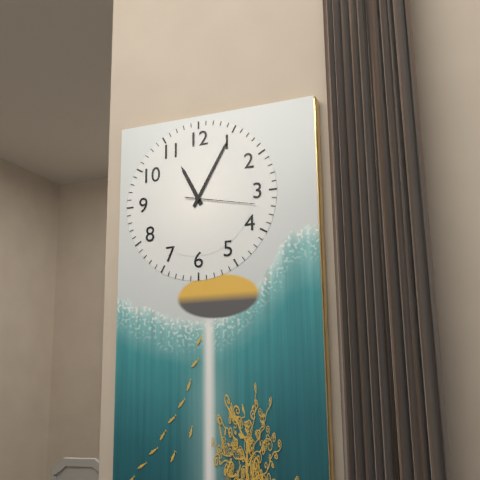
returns 11,05,17
